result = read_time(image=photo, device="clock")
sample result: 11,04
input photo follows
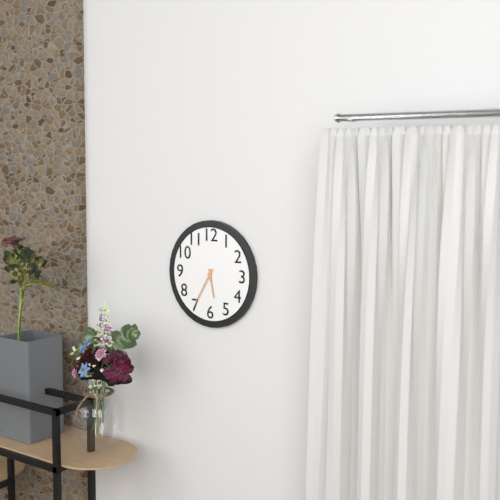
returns 5,35
